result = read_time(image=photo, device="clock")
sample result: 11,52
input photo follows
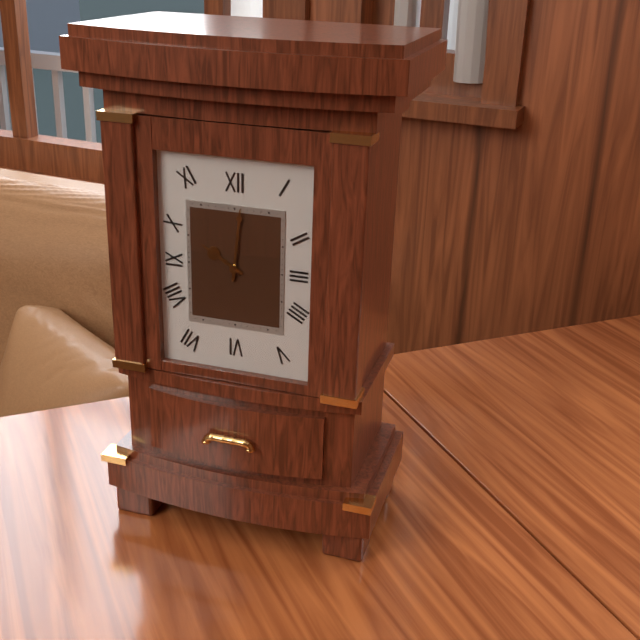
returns 10,01
